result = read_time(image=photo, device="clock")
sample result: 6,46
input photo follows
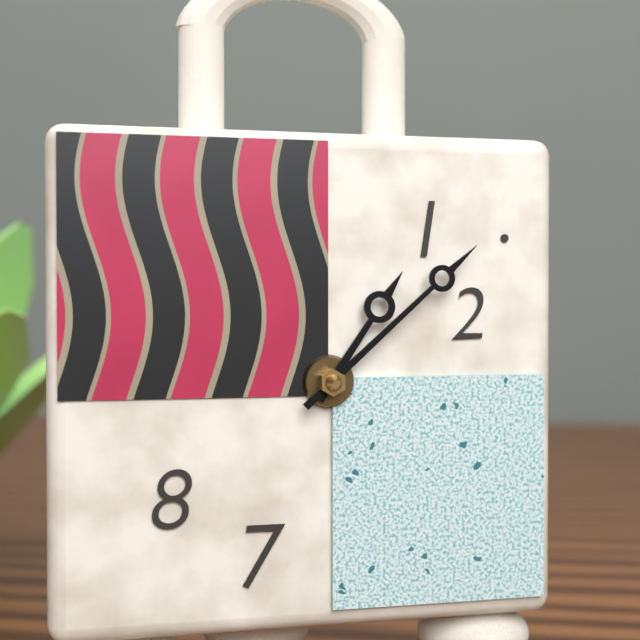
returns 1,08
